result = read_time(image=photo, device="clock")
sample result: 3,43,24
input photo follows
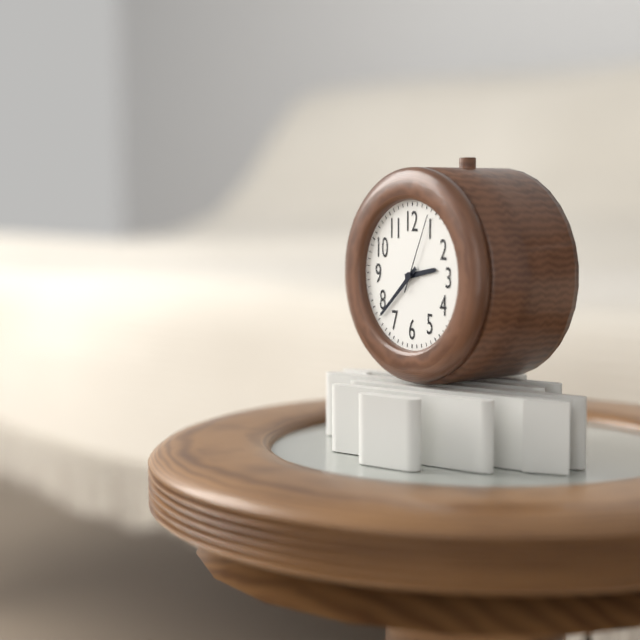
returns 2,38,04
